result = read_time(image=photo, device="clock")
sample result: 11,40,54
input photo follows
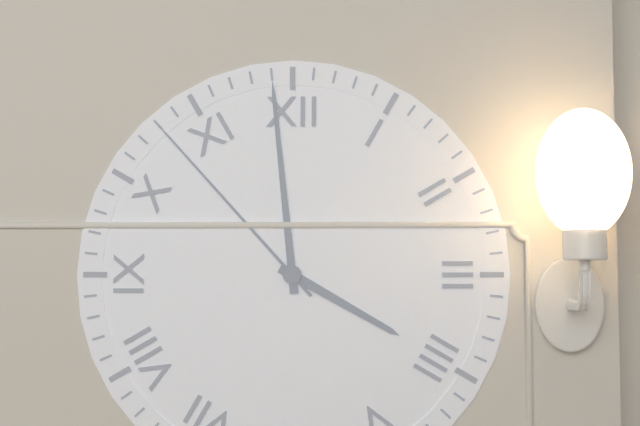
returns 3,59,53
